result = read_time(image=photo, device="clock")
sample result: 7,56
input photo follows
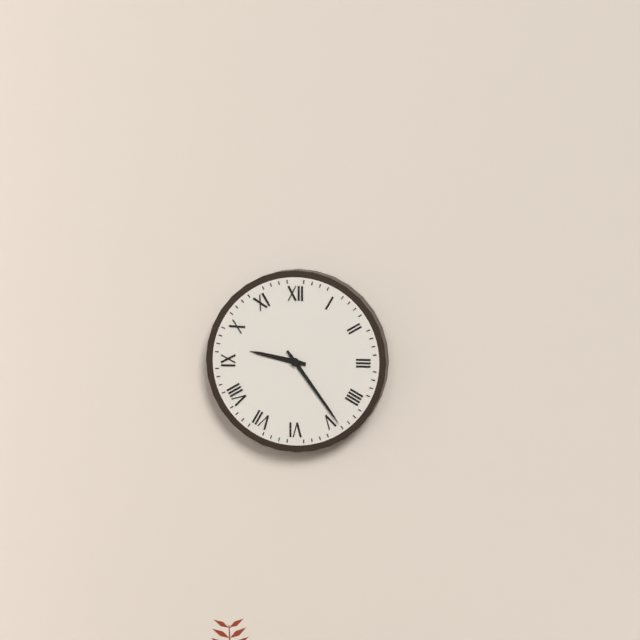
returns 9,24
